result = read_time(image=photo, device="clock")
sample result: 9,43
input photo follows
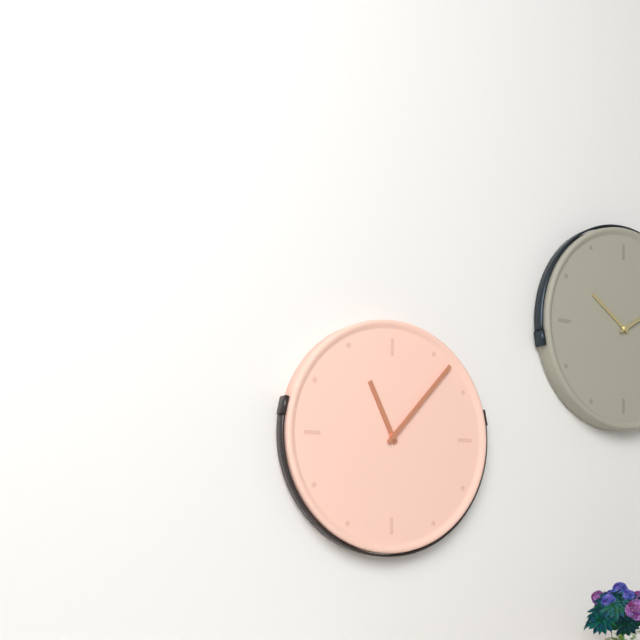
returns 11,07
